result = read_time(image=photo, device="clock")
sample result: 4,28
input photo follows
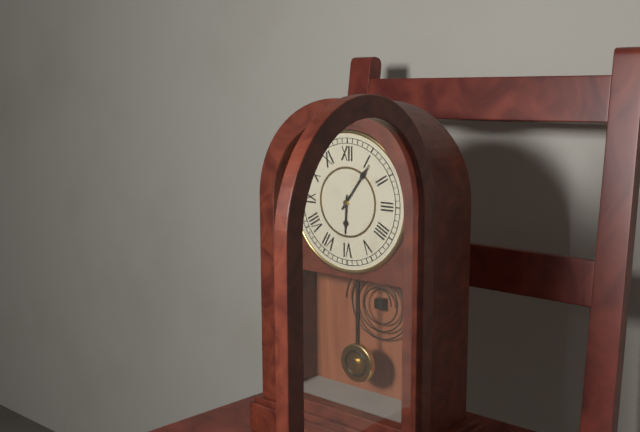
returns 6,06
